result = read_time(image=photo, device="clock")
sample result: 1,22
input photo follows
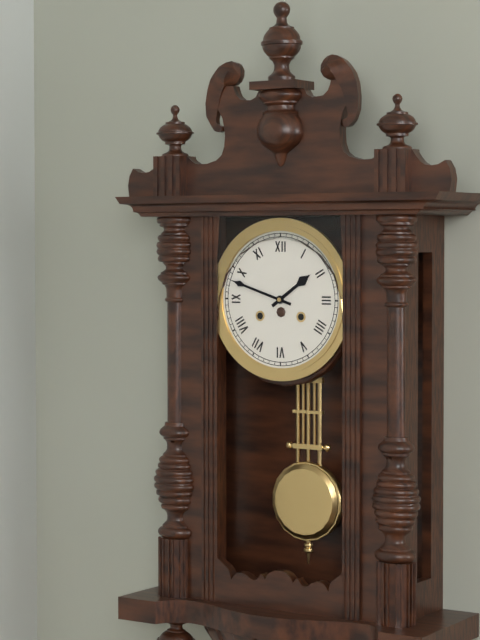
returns 1,48
